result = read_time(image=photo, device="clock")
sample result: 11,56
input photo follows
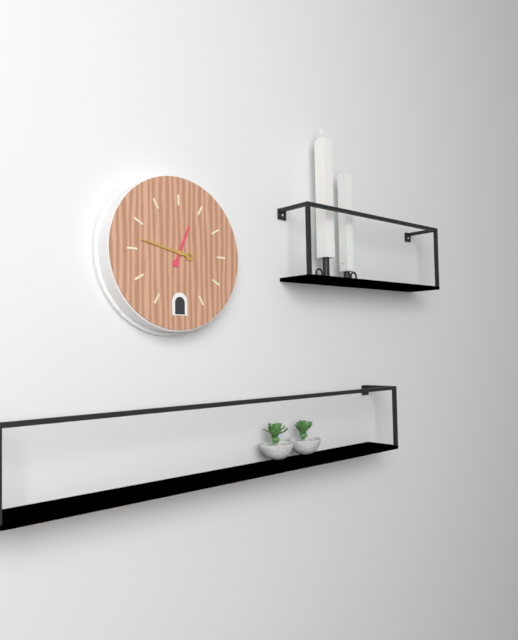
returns 12,47
